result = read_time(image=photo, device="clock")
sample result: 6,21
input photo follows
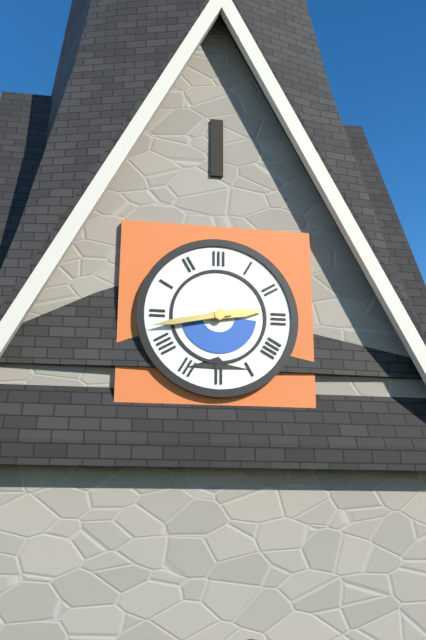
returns 2,43
